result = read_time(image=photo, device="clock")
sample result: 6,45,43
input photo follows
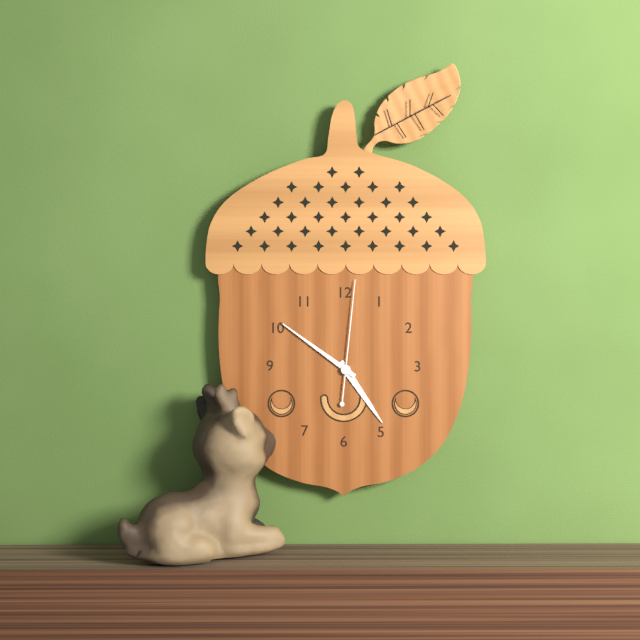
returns 4,51,01
